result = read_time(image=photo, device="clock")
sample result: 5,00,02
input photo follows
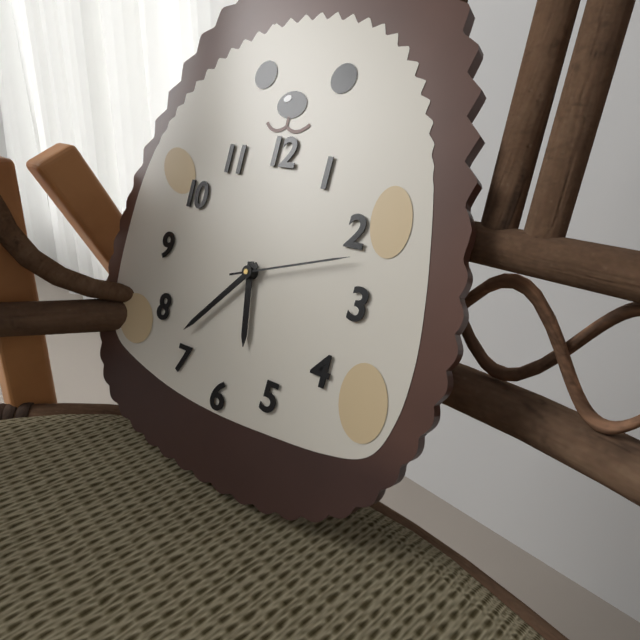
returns 5,37,12
